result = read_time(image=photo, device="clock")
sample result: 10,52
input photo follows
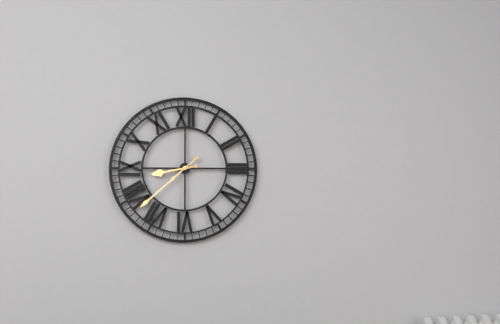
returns 8,38
